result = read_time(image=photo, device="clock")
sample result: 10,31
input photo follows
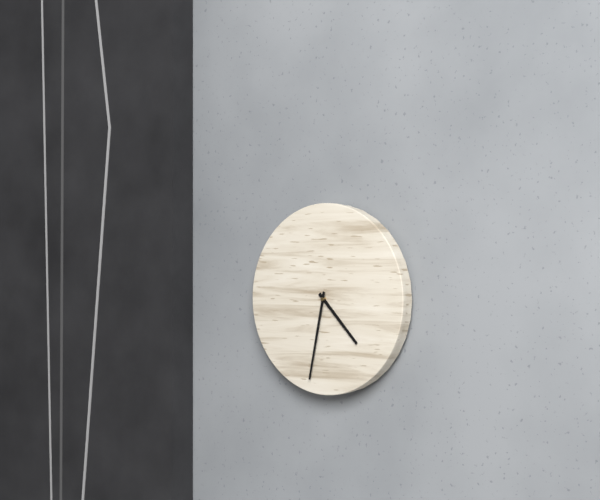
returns 4,32
